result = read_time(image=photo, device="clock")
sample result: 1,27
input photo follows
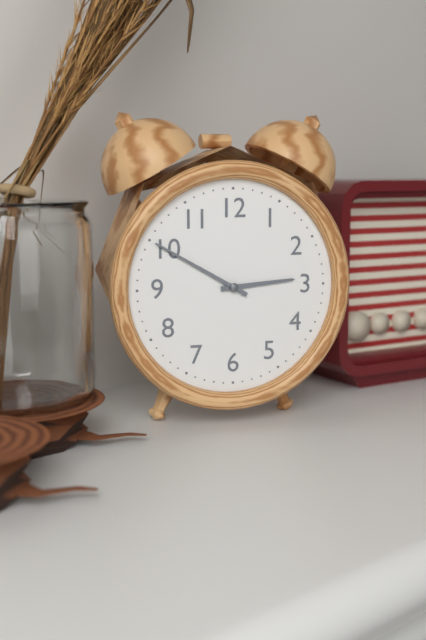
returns 2,50
